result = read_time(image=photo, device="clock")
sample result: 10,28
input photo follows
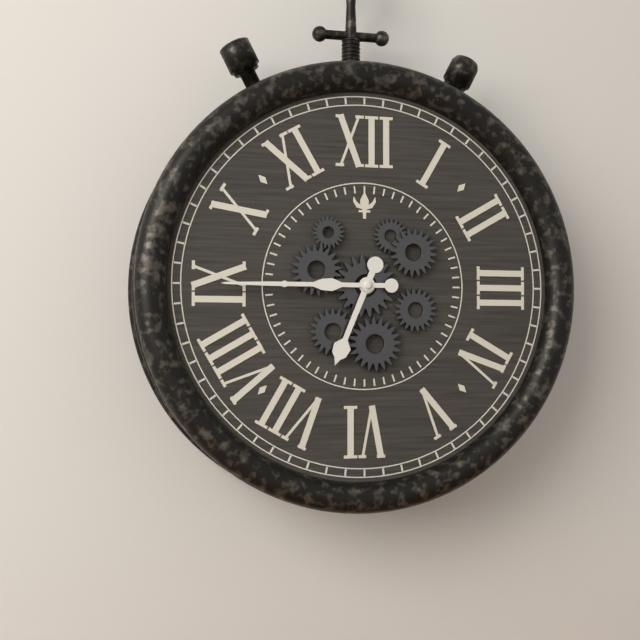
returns 6,45
